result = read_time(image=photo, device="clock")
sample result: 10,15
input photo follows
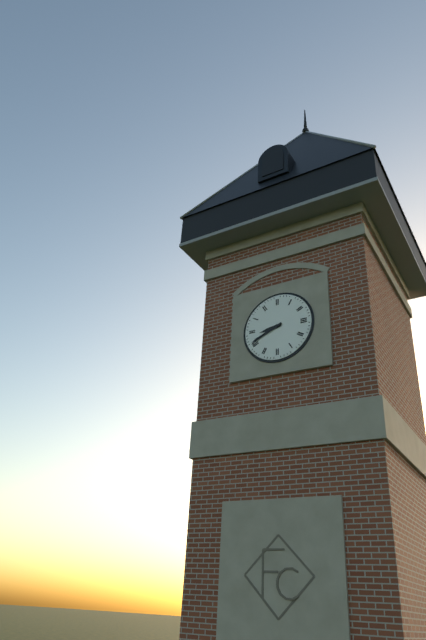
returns 8,41
